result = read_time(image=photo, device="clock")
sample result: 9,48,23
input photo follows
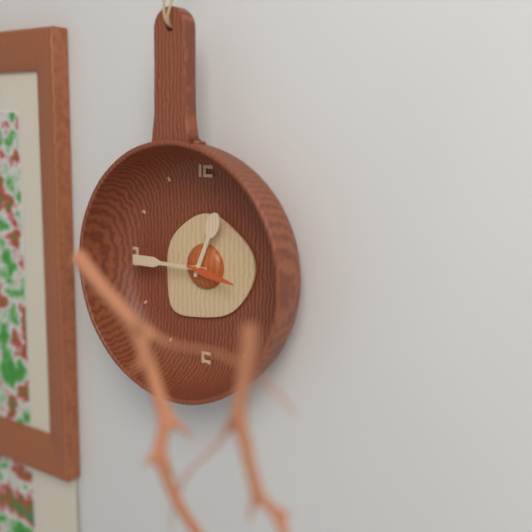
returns 12,45,17
